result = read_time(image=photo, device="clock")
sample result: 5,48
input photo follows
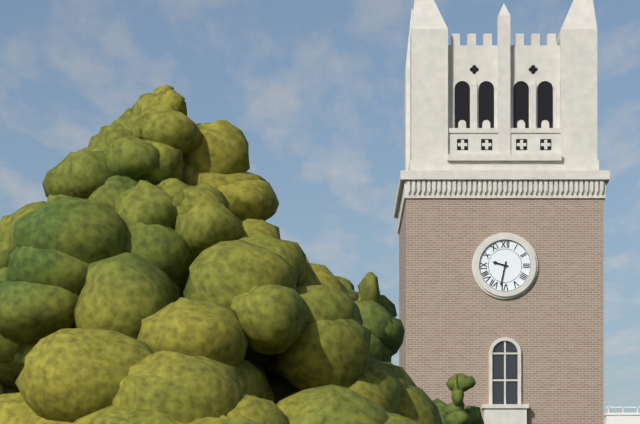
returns 9,32
